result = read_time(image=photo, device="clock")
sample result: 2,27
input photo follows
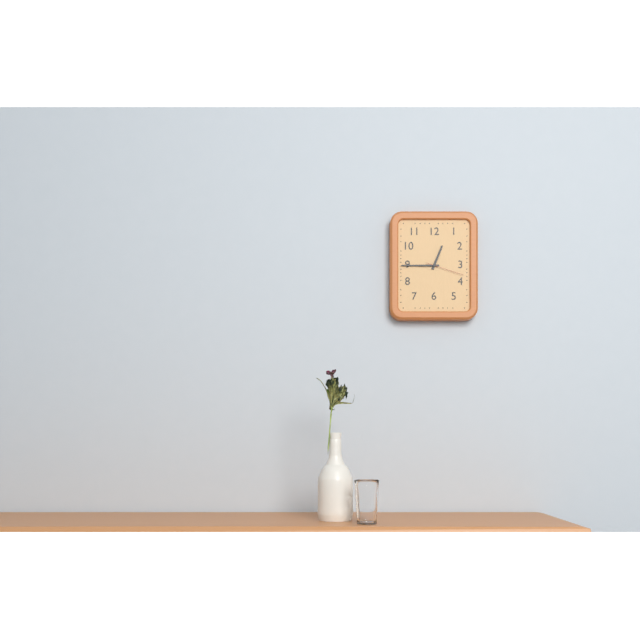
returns 12,45
